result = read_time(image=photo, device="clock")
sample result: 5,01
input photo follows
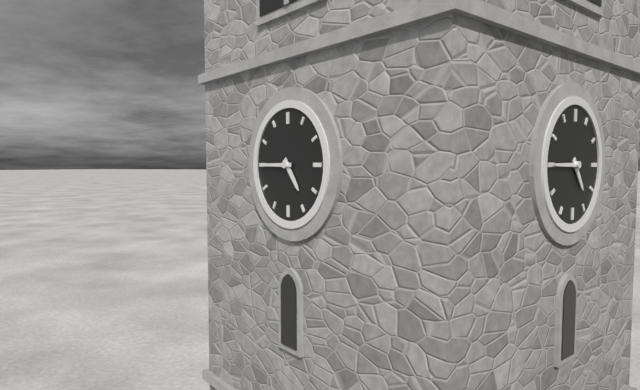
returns 4,45
